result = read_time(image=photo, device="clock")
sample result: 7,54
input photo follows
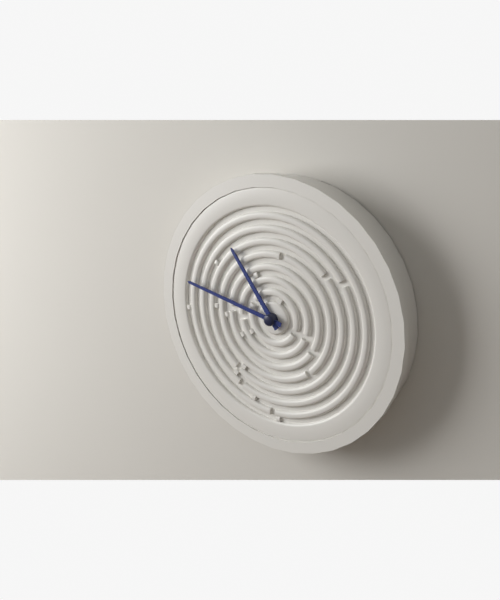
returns 10,47
